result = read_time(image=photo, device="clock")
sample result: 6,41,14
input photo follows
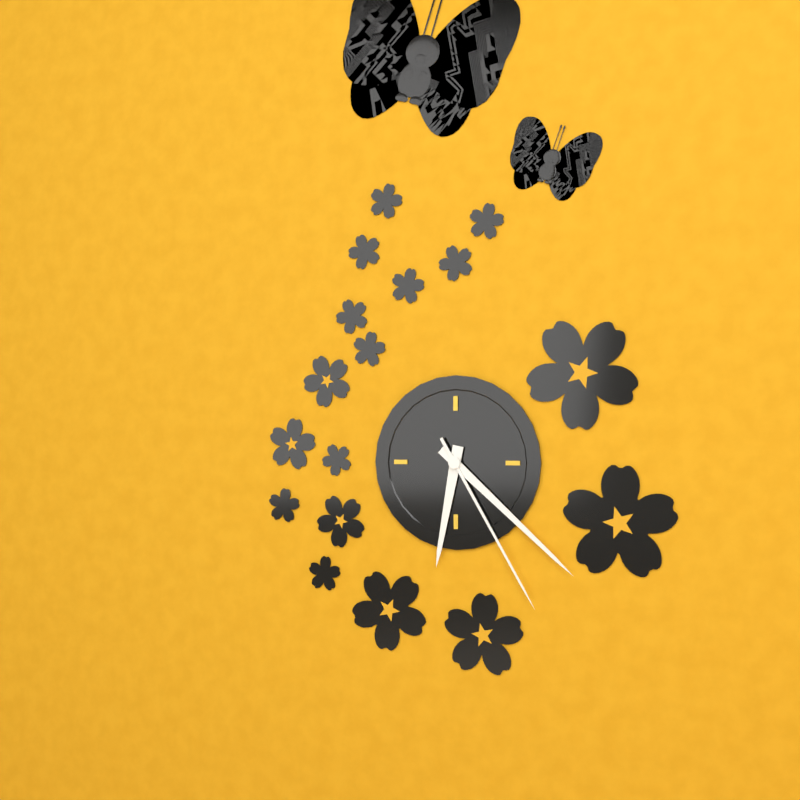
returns 6,22,25
